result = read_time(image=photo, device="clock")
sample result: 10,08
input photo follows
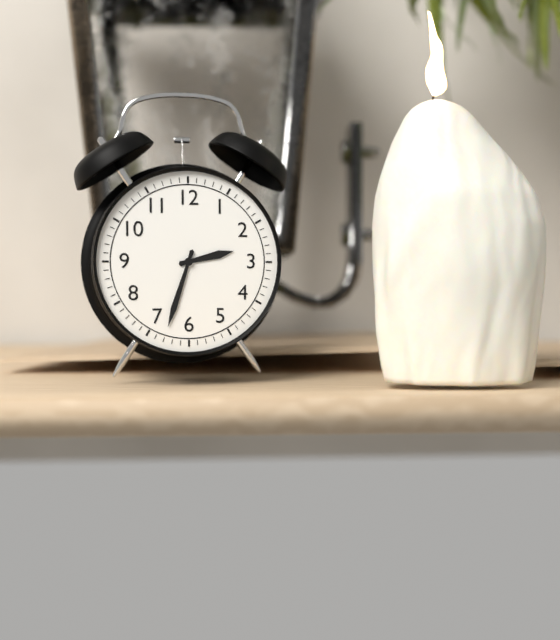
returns 2,33
